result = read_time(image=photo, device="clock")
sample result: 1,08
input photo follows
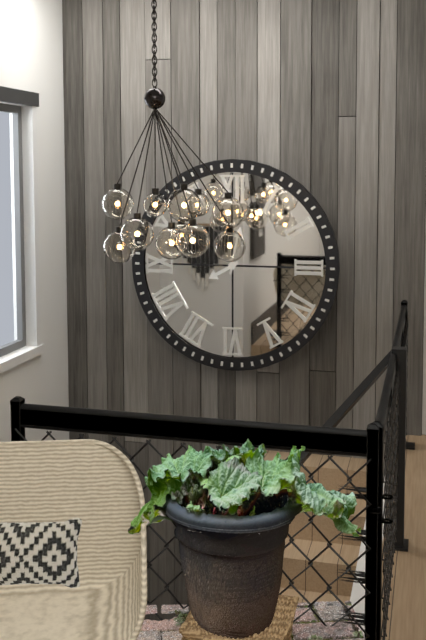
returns 8,02
